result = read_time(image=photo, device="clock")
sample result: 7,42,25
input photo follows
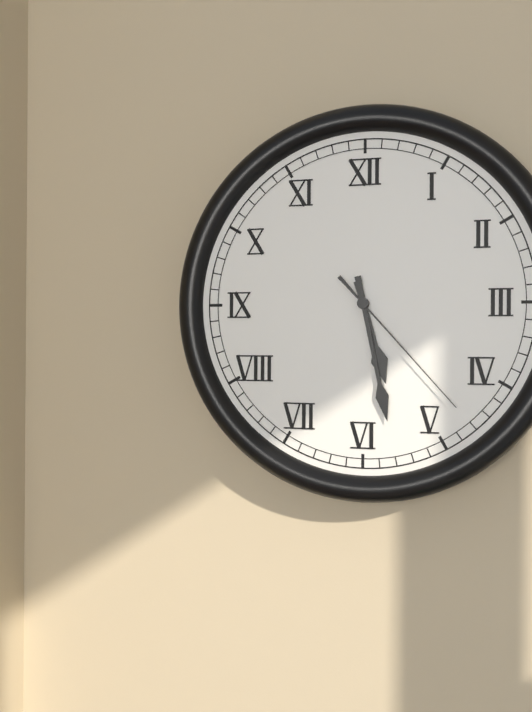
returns 5,28,23
